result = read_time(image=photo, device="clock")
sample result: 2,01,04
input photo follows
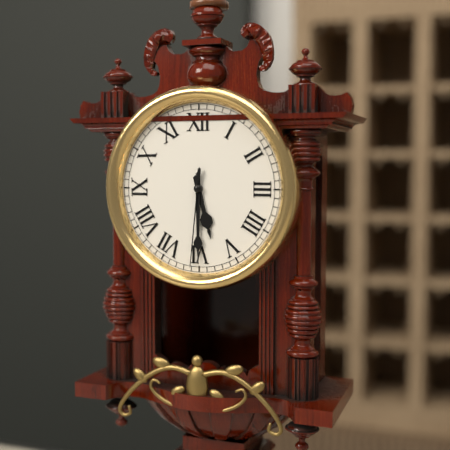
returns 5,30,31
